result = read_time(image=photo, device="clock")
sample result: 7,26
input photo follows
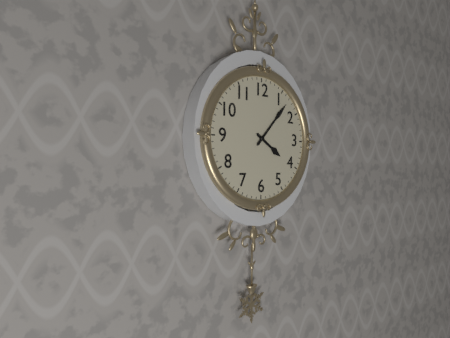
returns 4,07
